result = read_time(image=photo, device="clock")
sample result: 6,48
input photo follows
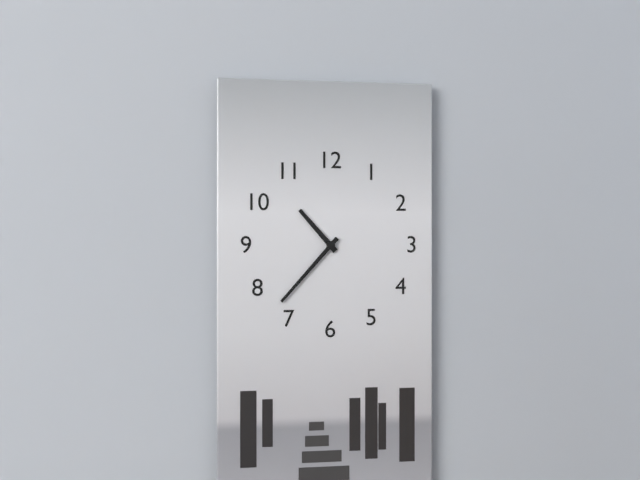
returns 10,37
